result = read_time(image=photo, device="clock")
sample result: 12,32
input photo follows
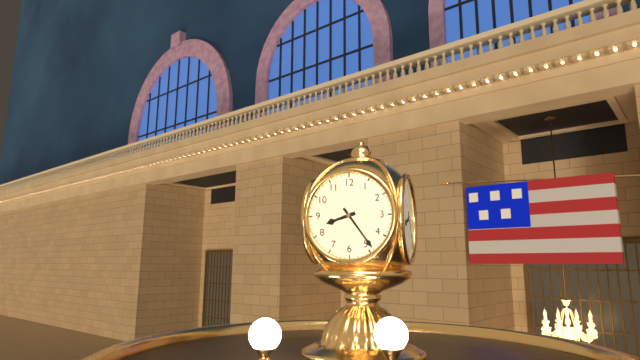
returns 8,24
